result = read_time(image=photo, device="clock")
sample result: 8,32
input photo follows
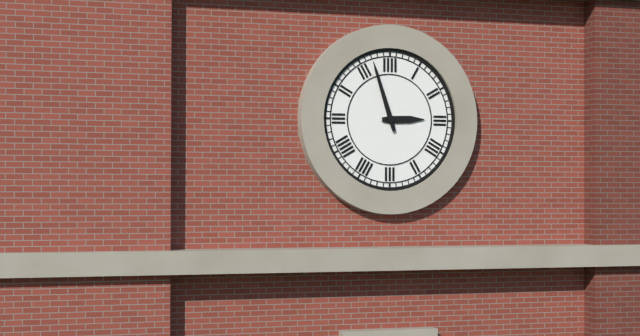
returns 2,57
